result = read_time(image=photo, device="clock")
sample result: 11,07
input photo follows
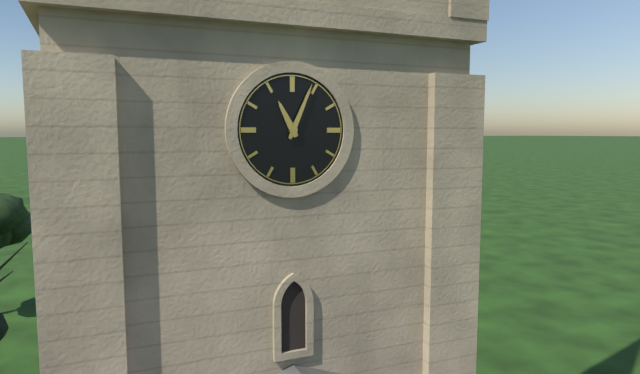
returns 11,04
